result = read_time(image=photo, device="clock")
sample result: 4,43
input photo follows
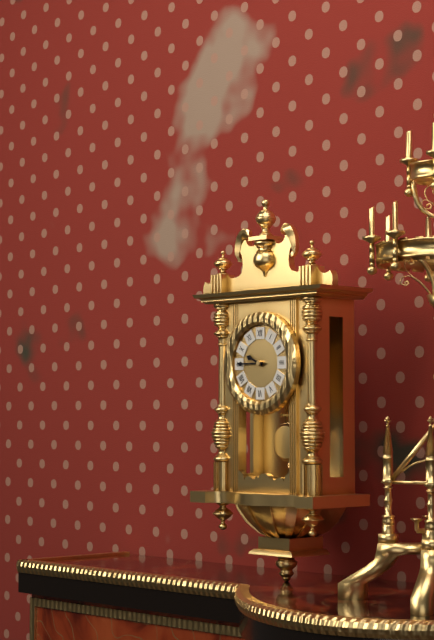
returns 9,45
